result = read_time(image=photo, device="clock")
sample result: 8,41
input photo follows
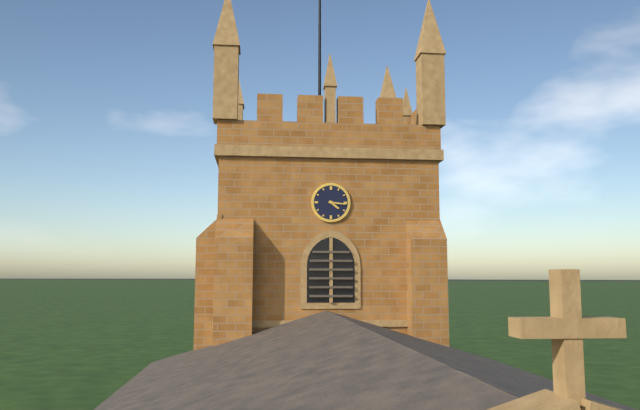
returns 4,16
